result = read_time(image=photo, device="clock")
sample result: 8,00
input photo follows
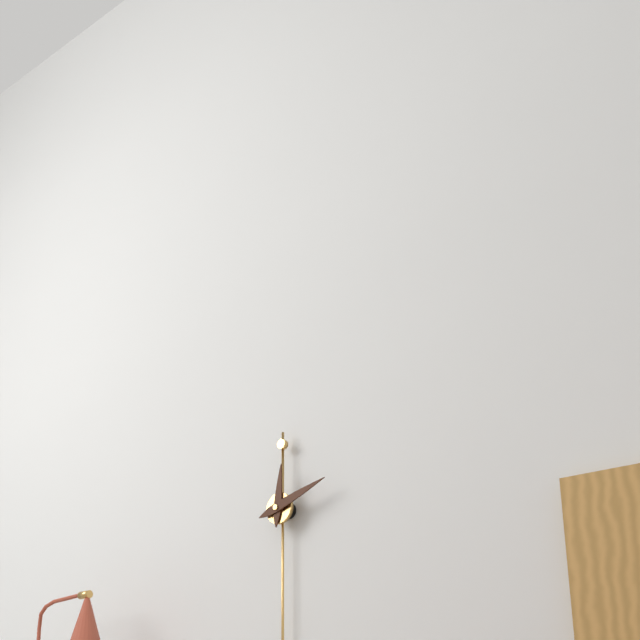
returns 12,12
